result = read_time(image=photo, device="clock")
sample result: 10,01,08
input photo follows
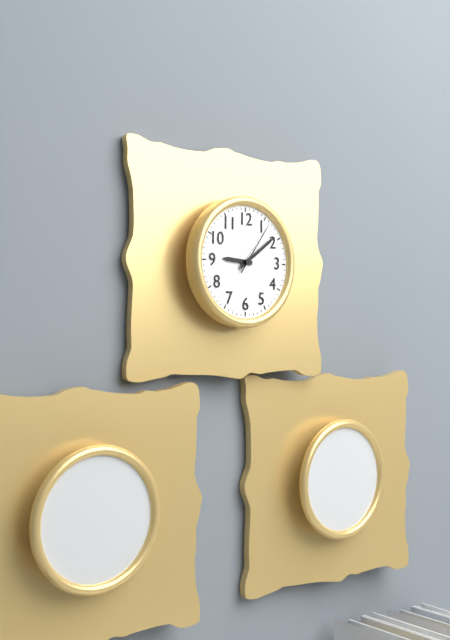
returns 9,09,06
